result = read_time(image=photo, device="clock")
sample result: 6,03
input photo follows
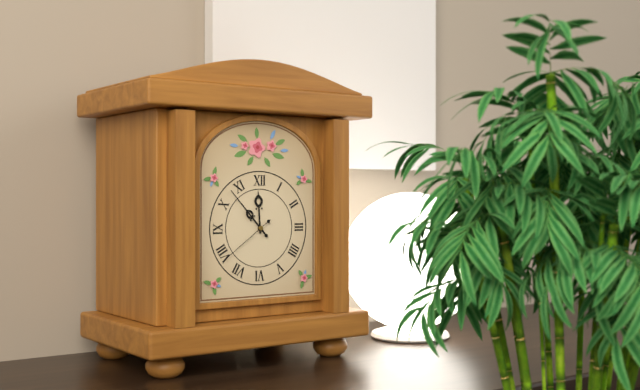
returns 11,53
